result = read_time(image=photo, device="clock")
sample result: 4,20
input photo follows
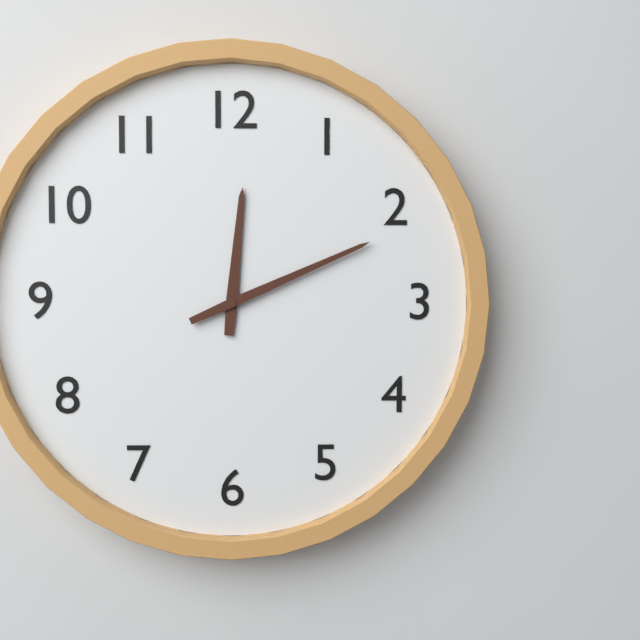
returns 12,11
